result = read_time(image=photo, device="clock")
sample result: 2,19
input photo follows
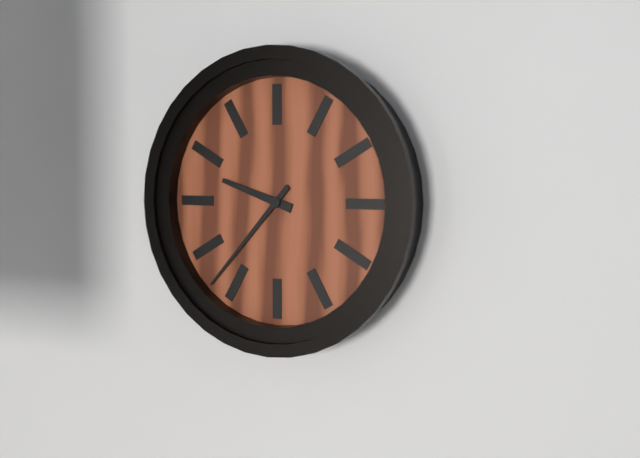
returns 9,37
